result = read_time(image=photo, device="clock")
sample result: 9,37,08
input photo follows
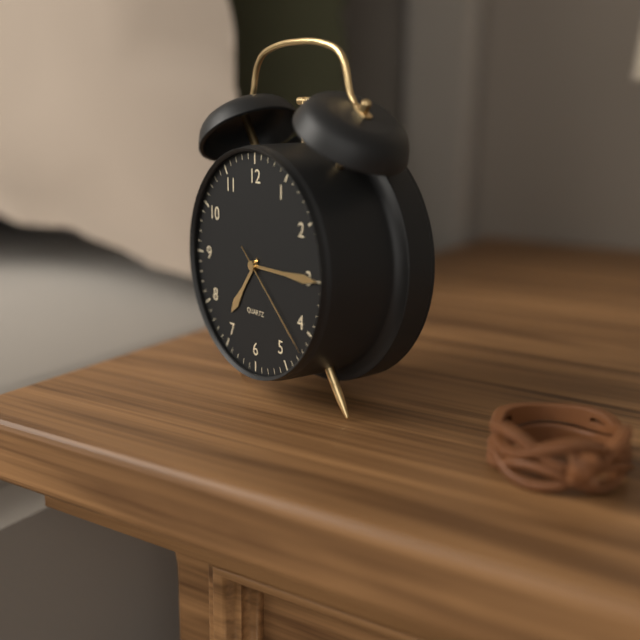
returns 7,15,22
